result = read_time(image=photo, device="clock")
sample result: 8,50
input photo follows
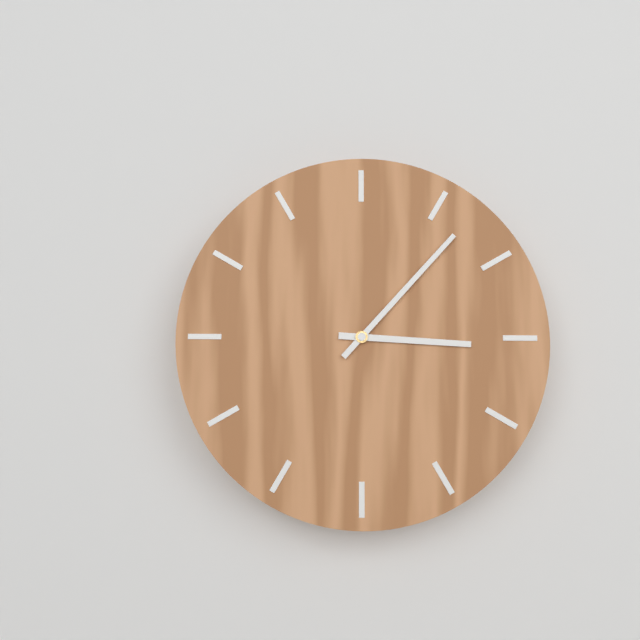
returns 3,07
